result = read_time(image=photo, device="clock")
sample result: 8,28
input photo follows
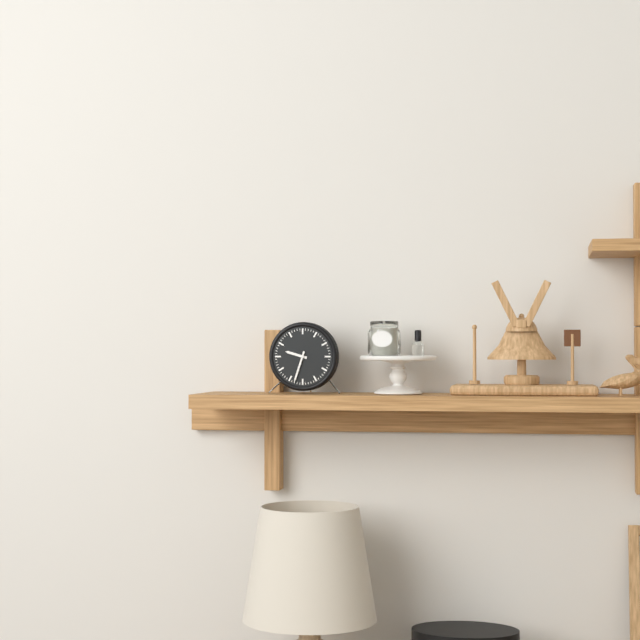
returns 9,33
